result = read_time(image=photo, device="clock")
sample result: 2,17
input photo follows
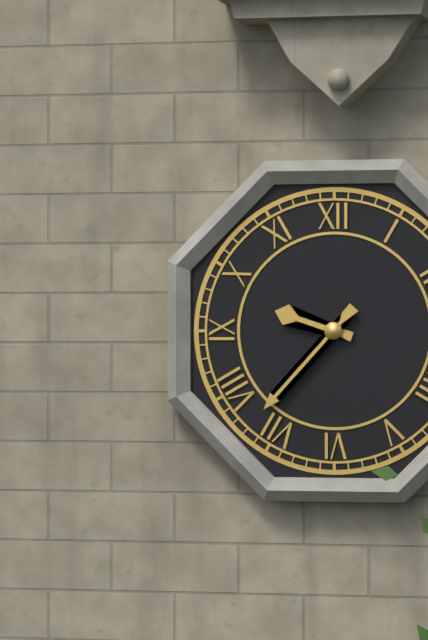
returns 9,37
